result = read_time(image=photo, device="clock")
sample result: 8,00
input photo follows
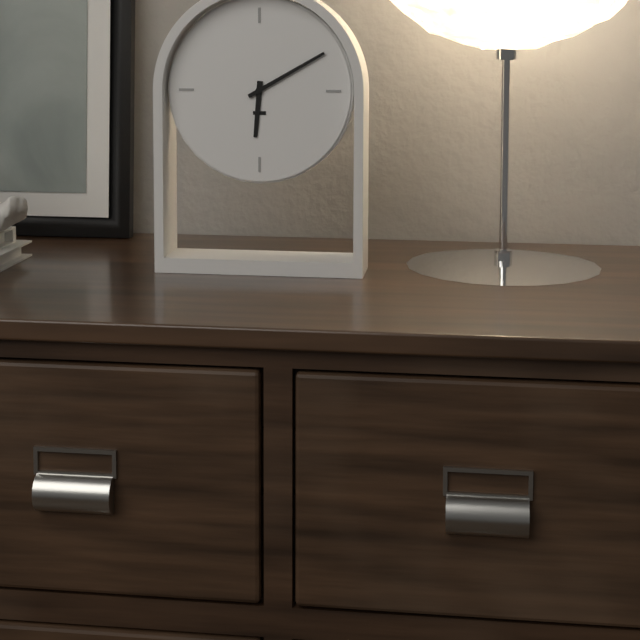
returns 6,10
